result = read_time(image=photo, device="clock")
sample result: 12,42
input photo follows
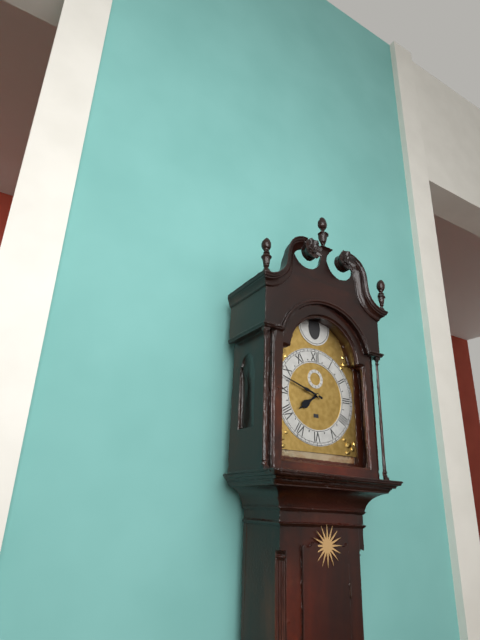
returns 7,48
